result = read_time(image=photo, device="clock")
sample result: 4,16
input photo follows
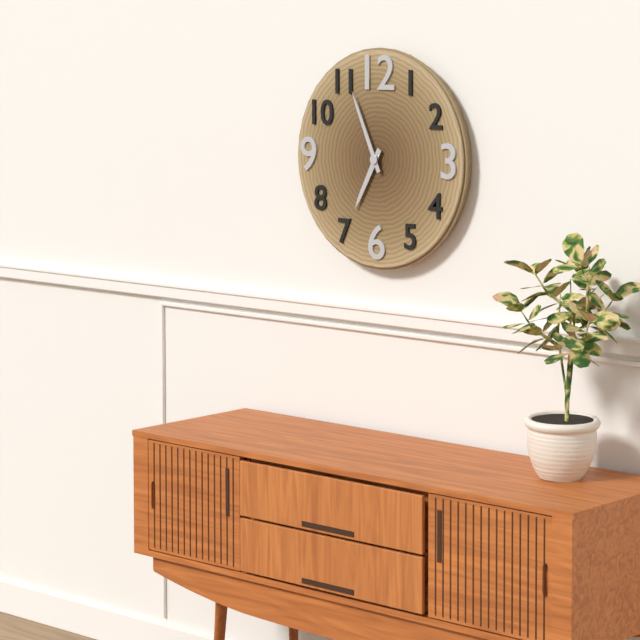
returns 6,56
